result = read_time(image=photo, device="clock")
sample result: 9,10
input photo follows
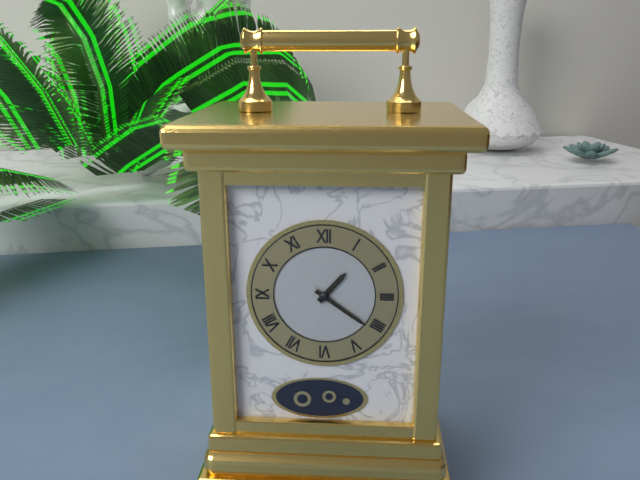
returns 1,21
